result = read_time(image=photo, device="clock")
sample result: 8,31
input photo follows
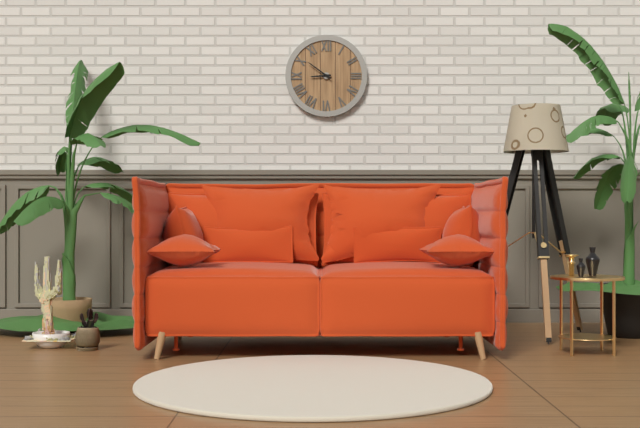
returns 8,51
